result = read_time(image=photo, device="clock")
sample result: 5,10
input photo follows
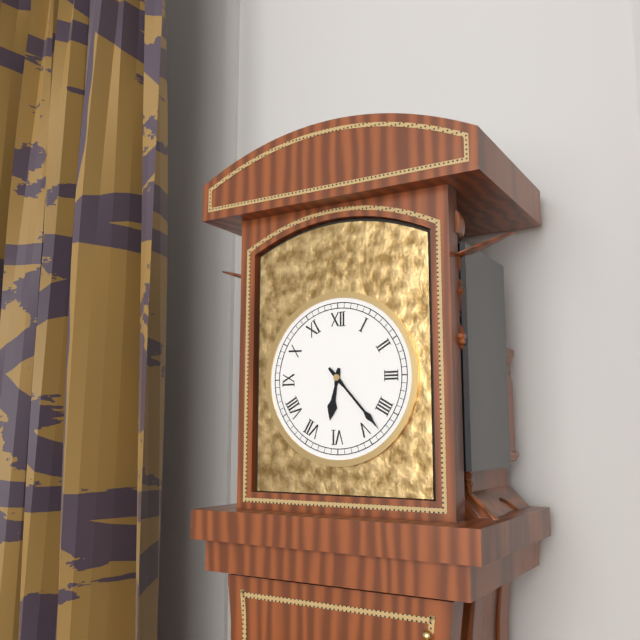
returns 6,23
